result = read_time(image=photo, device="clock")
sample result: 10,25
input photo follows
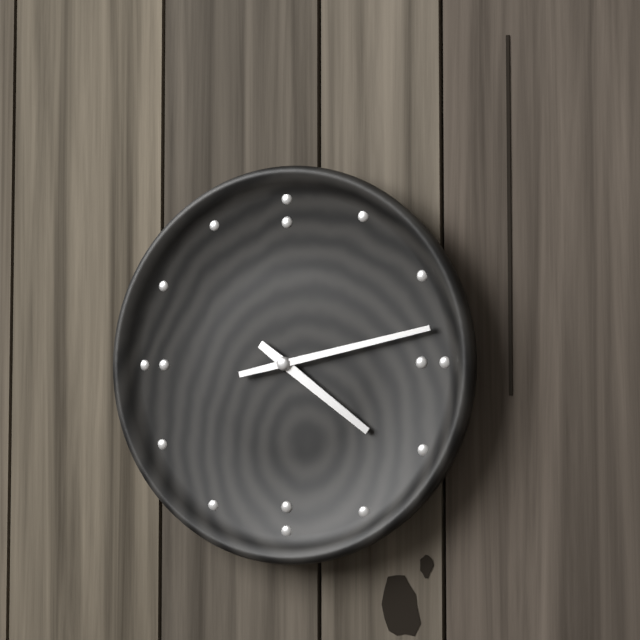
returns 4,13
